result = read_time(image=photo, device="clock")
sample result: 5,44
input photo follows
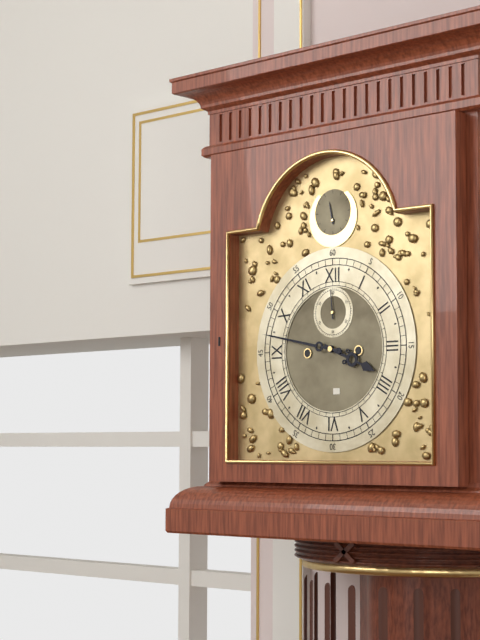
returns 3,47
